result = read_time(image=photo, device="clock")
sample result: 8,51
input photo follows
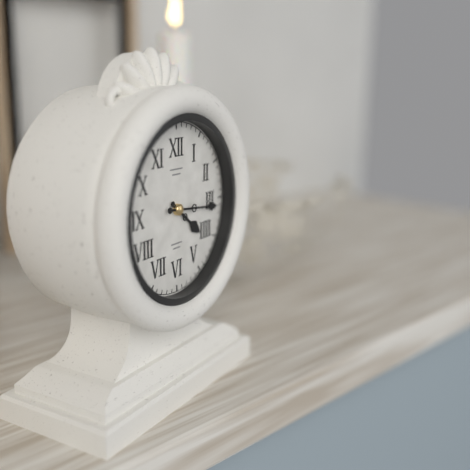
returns 4,16
